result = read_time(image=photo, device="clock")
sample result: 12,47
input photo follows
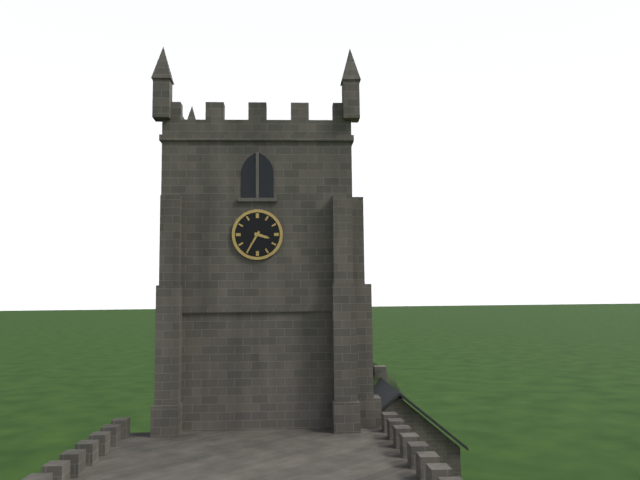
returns 3,35
